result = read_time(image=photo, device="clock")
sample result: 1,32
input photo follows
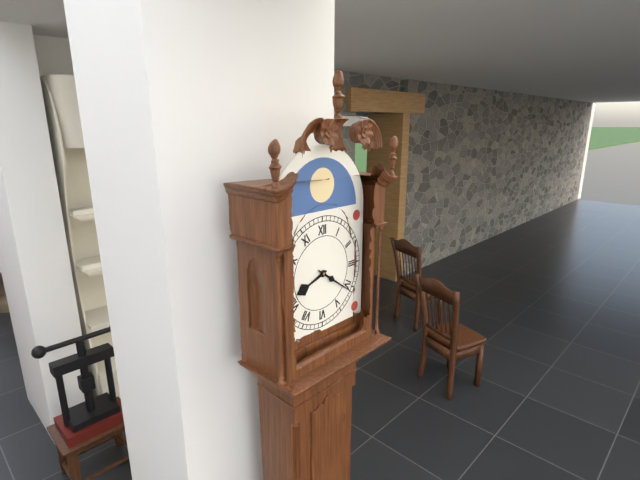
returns 8,21
